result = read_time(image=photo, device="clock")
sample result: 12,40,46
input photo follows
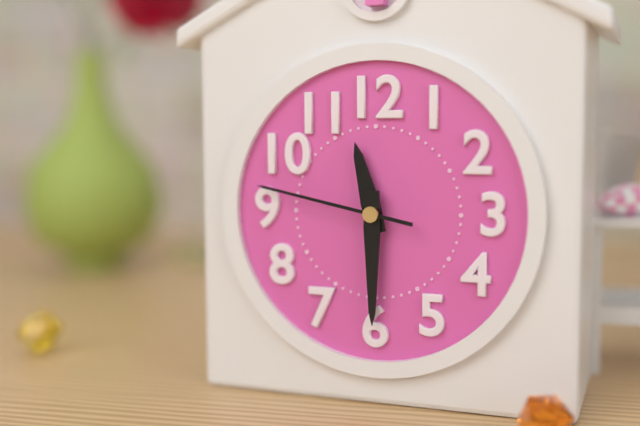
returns 11,30,47
